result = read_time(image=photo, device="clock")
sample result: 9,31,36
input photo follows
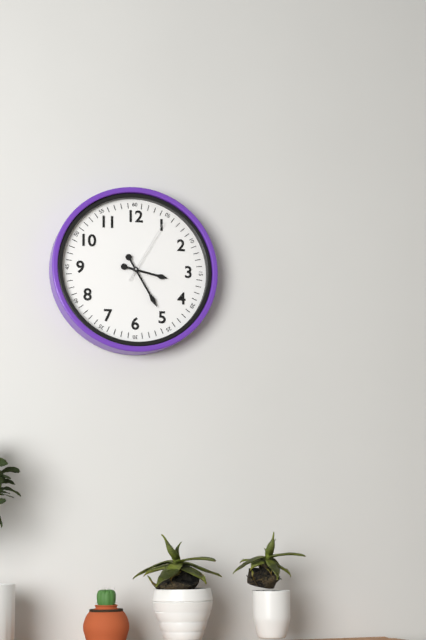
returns 3,25,05
